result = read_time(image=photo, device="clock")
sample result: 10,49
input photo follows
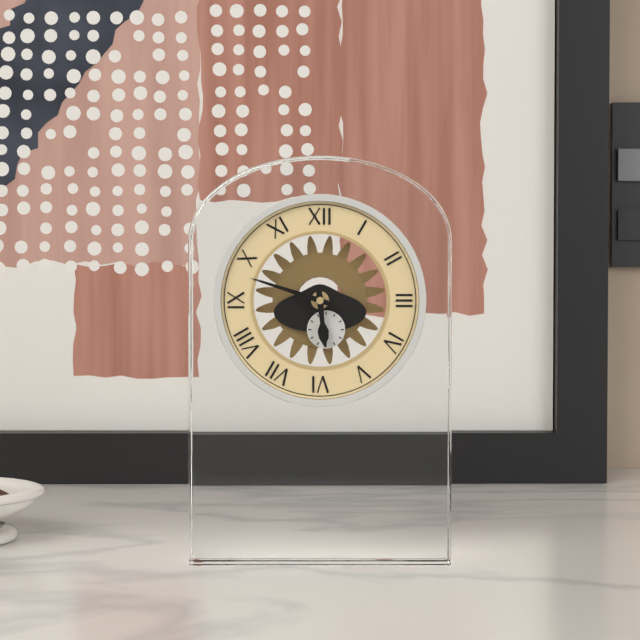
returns 5,48
